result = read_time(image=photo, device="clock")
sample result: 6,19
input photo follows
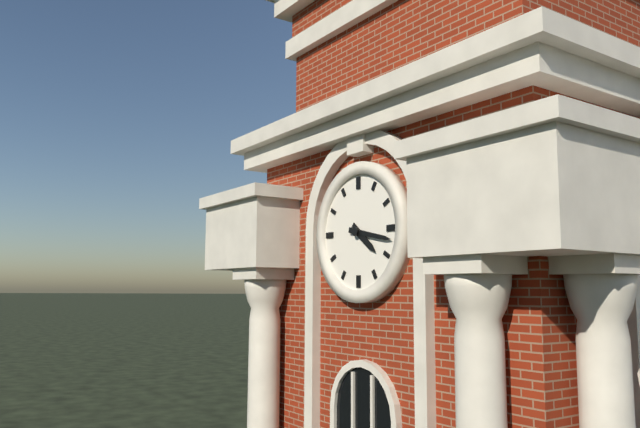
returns 4,17
